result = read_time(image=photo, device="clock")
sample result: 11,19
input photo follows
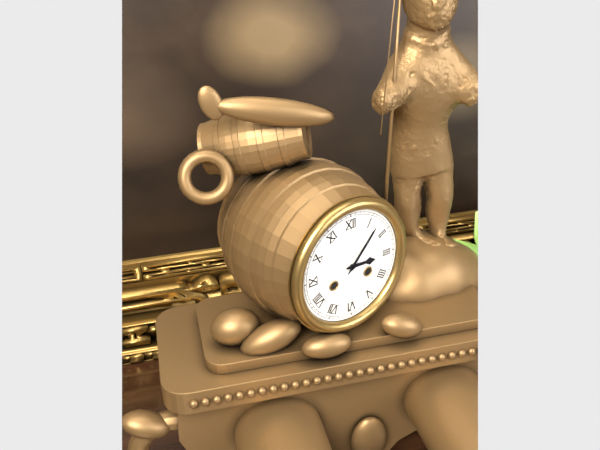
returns 3,07
